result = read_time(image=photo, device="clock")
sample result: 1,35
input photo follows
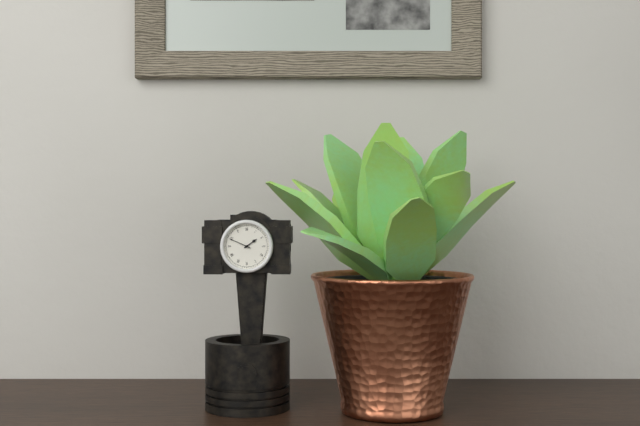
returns 1,49
